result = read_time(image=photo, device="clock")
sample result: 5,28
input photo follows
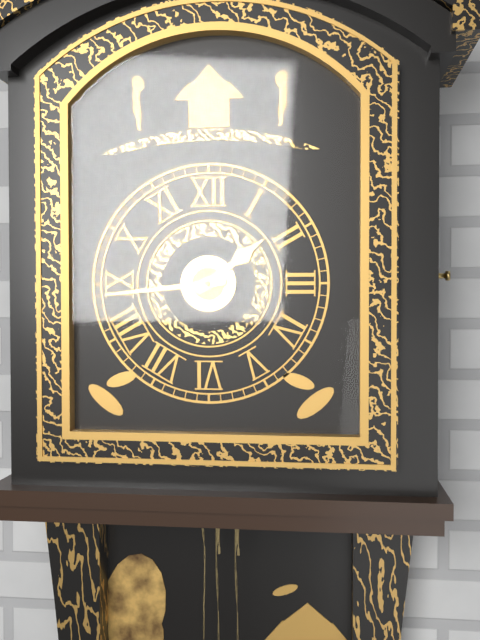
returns 1,44
